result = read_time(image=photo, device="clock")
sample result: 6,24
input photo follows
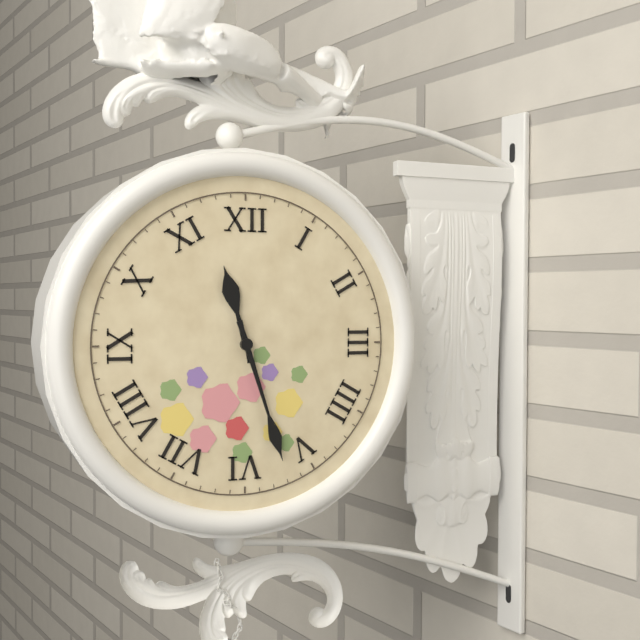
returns 11,27
